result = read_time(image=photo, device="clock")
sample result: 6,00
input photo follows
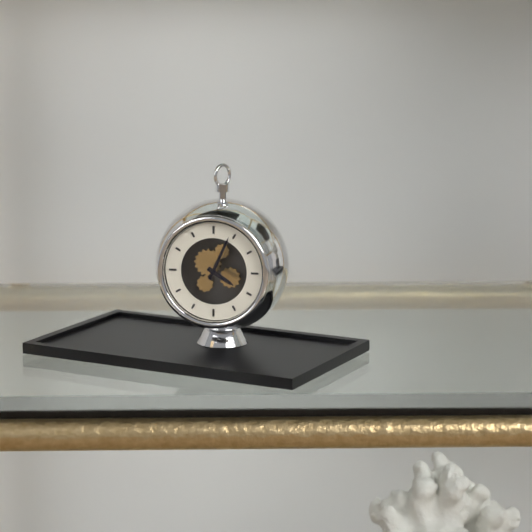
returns 4,04
